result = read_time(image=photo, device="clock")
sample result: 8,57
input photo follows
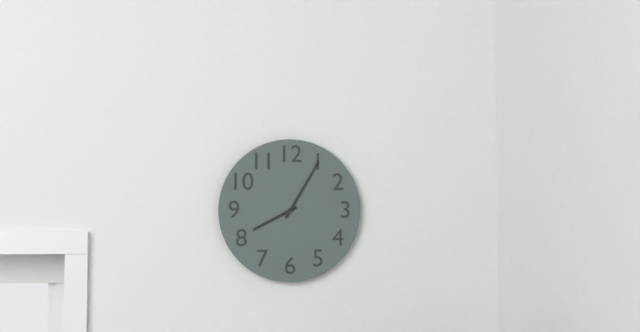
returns 8,05
